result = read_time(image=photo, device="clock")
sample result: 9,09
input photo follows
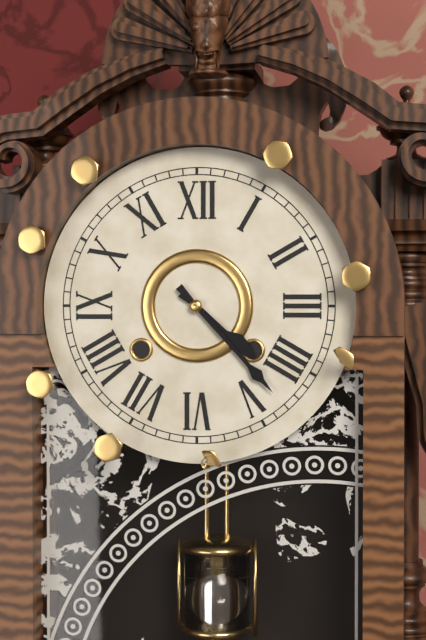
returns 4,23
